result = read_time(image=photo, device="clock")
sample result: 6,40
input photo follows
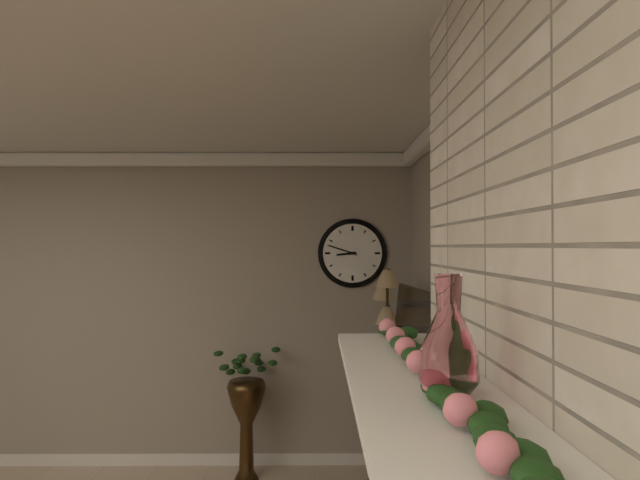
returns 8,48
